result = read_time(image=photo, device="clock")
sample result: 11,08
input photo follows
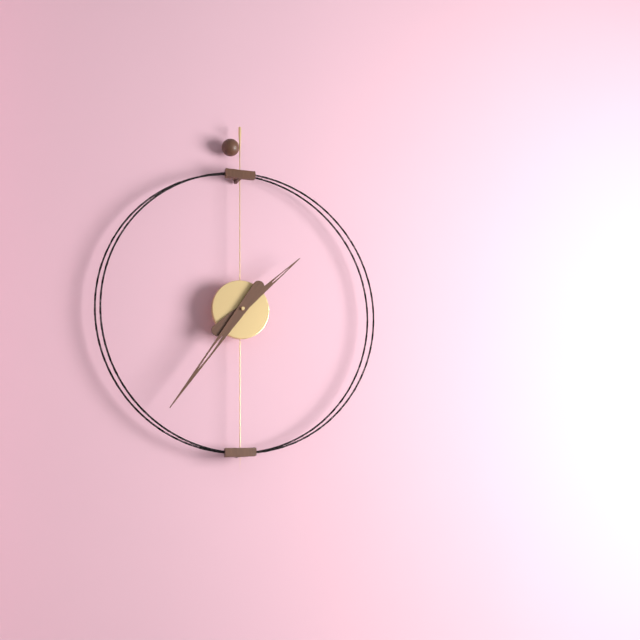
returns 1,36
